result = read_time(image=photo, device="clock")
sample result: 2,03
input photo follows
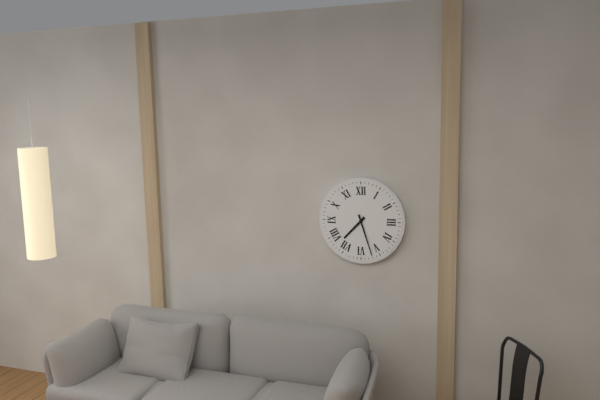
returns 7,27
